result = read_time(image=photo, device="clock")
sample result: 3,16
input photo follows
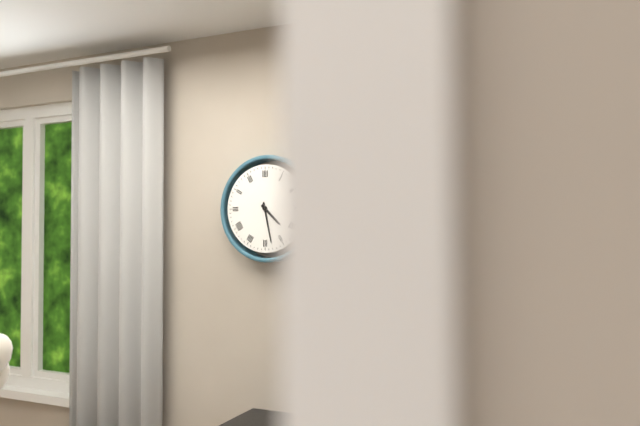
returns 4,28
